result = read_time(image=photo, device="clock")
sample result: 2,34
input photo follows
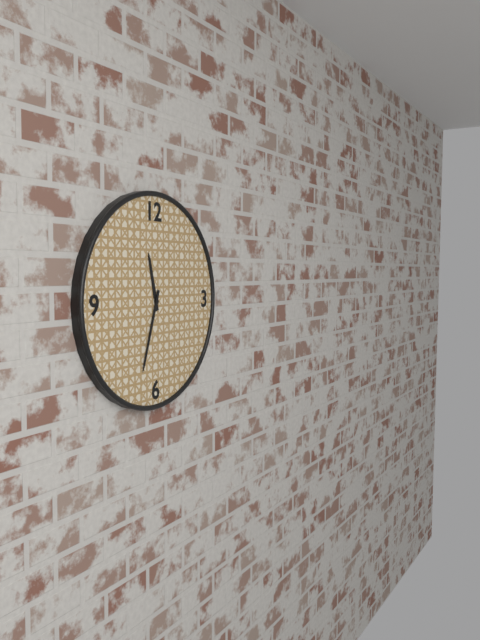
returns 11,33
